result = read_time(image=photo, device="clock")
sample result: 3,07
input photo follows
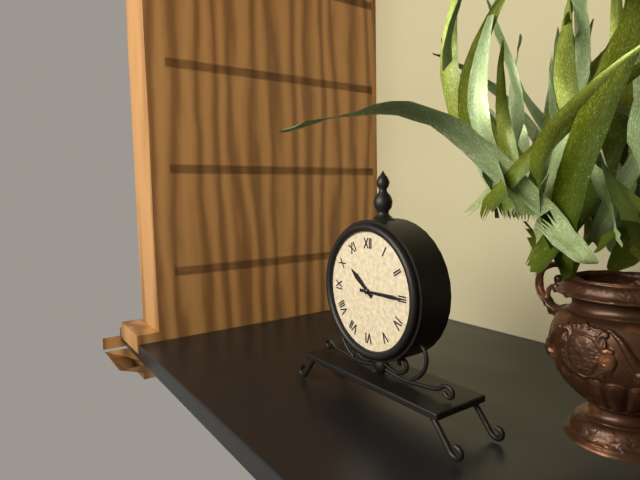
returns 10,15
